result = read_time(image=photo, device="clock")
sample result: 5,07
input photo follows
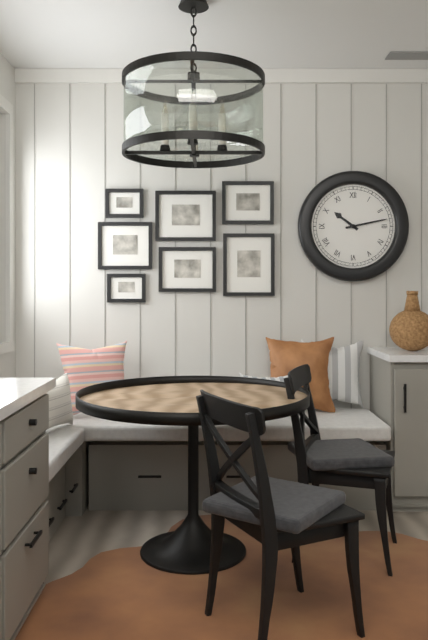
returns 10,13
